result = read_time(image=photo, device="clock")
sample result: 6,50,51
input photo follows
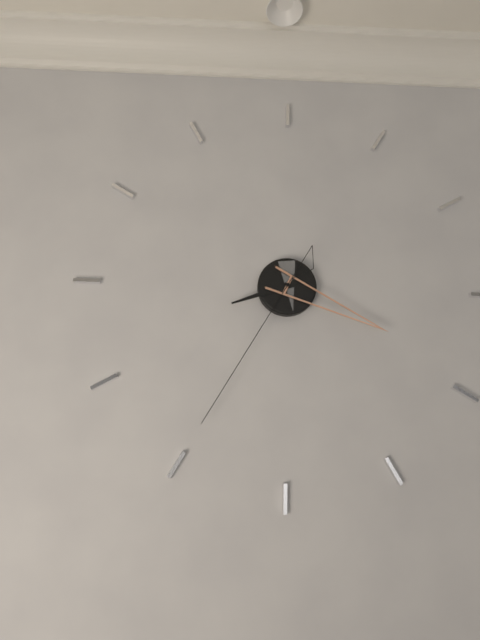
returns 8,19,35
